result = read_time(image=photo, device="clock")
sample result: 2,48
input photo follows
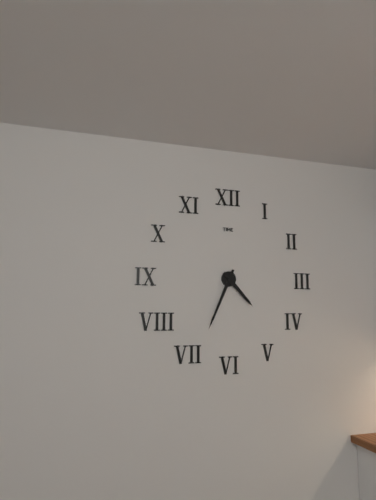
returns 4,34
